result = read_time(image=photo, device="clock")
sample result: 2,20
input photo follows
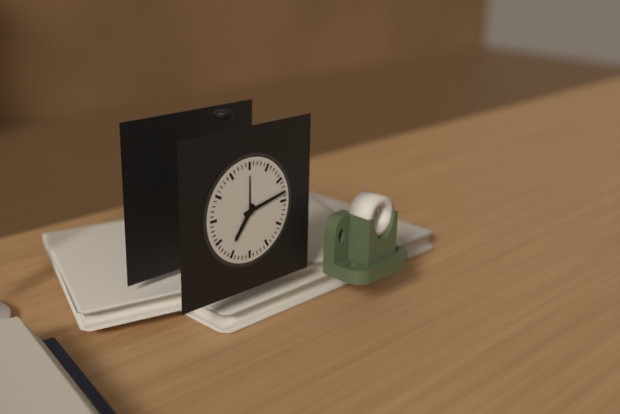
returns 7,13
